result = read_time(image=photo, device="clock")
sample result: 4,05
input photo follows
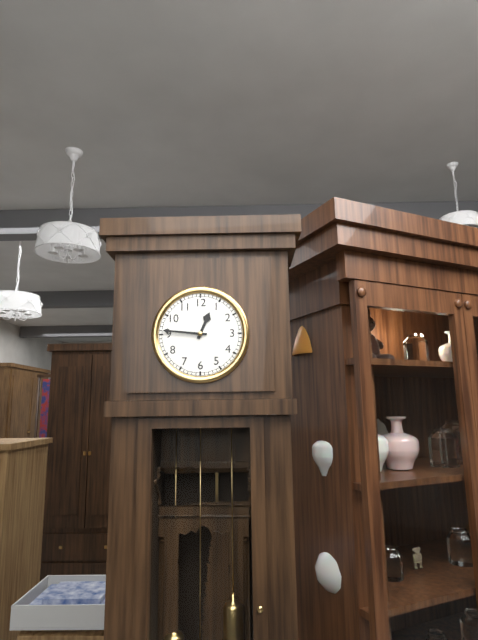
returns 12,46
